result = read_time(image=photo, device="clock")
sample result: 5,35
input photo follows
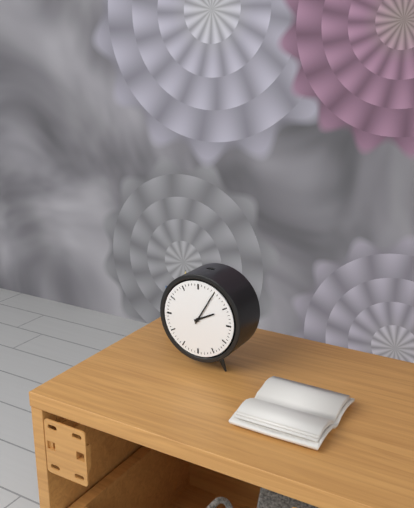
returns 2,05
